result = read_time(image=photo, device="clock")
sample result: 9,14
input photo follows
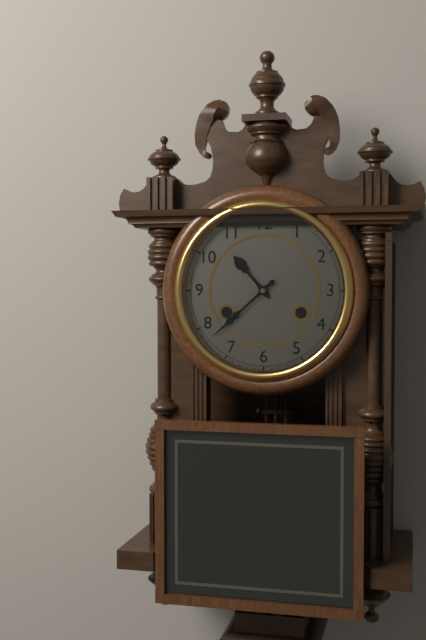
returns 10,38
